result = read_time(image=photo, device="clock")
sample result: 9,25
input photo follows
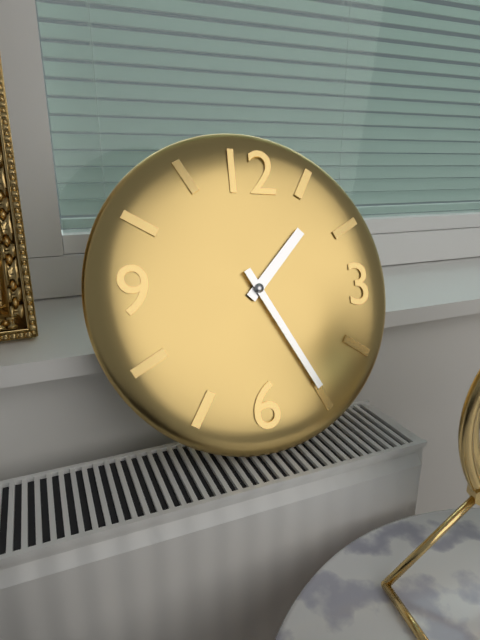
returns 1,25
